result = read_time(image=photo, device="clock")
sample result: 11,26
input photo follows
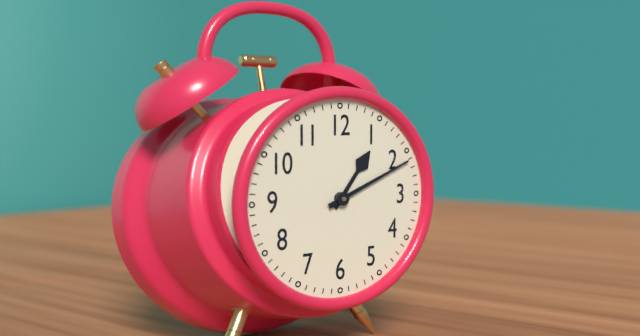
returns 1,11
